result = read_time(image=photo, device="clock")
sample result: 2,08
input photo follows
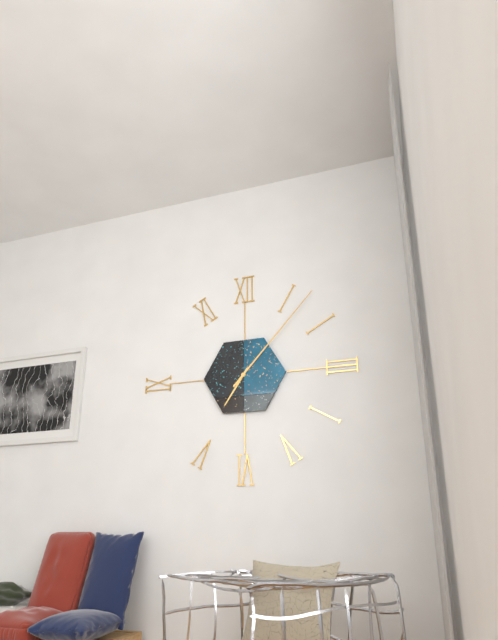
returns 7,07
